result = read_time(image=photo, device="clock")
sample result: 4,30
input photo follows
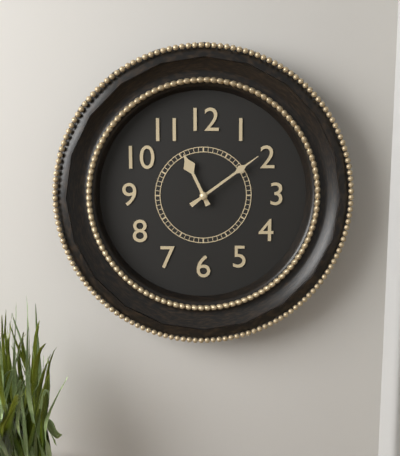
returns 11,09
